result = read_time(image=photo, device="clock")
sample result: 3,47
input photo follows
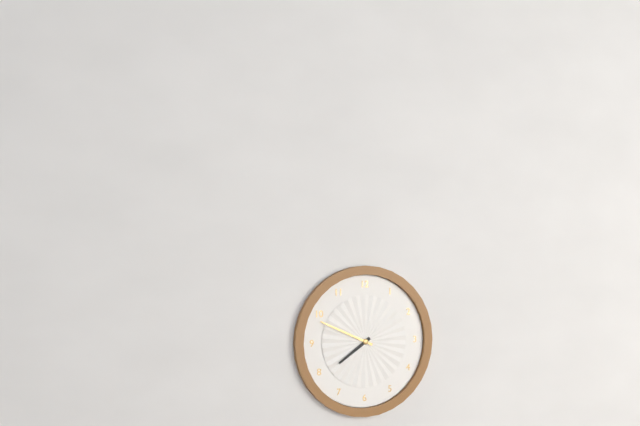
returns 7,49
